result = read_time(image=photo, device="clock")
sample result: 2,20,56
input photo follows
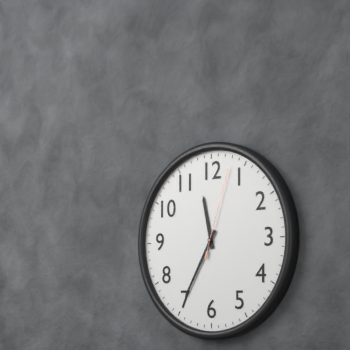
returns 11,35,03
